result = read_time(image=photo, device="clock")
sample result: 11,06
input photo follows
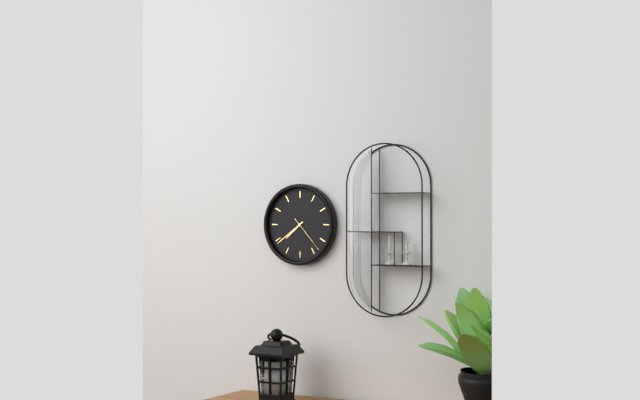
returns 7,39
